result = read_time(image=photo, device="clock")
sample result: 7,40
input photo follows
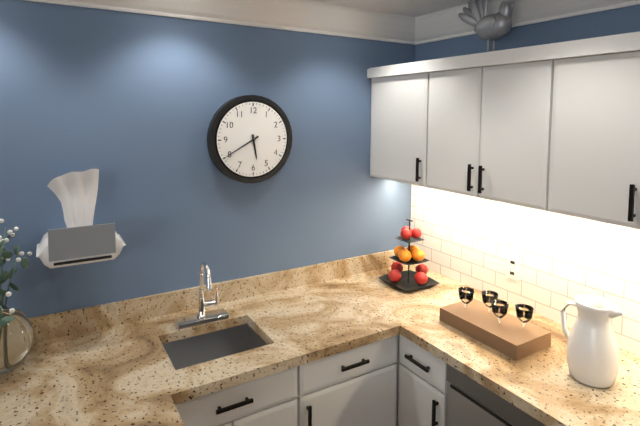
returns 5,40
